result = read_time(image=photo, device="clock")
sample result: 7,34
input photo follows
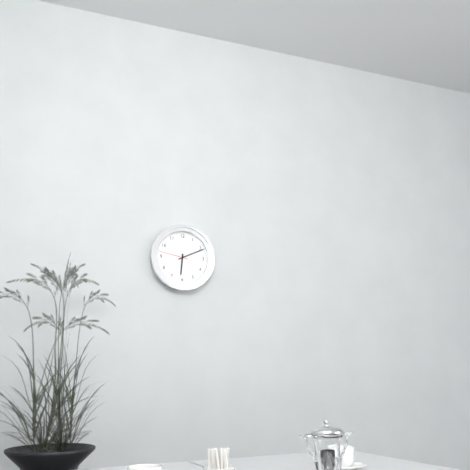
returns 6,11
